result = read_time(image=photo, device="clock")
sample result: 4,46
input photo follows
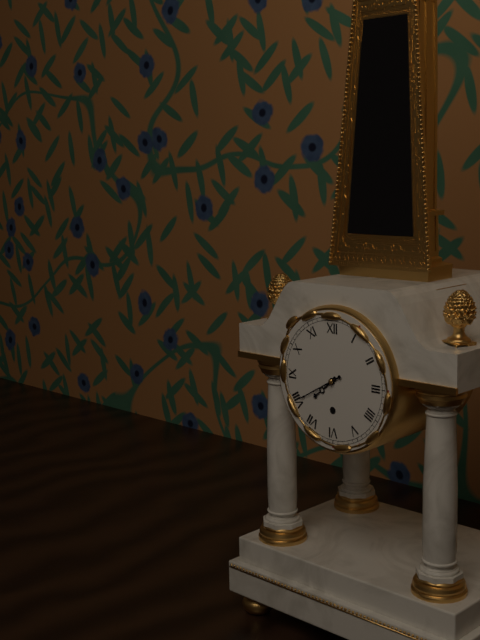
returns 7,40
